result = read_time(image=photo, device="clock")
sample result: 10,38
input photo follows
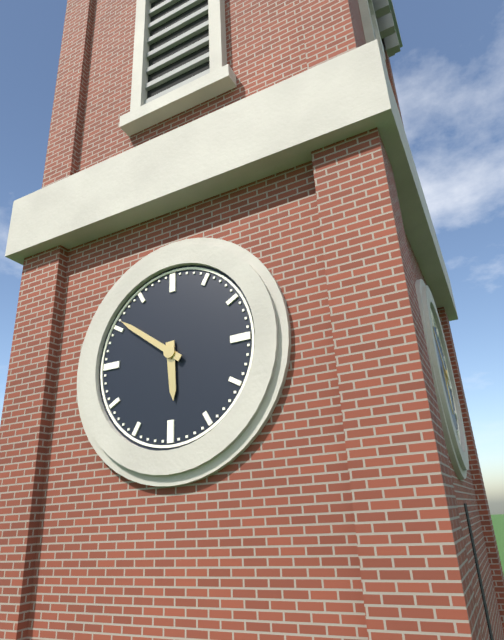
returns 5,51
